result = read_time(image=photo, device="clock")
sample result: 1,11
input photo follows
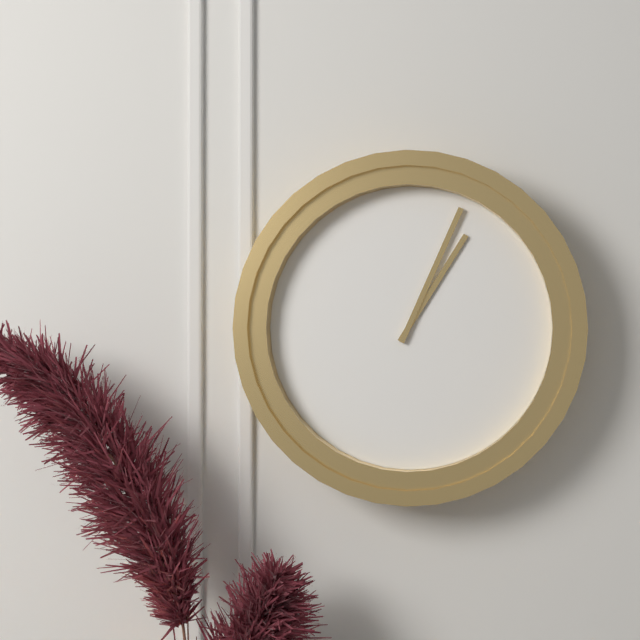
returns 1,04
